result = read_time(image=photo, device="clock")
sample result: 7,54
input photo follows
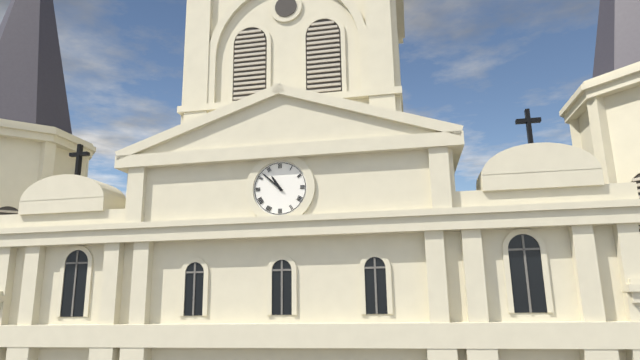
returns 10,52
